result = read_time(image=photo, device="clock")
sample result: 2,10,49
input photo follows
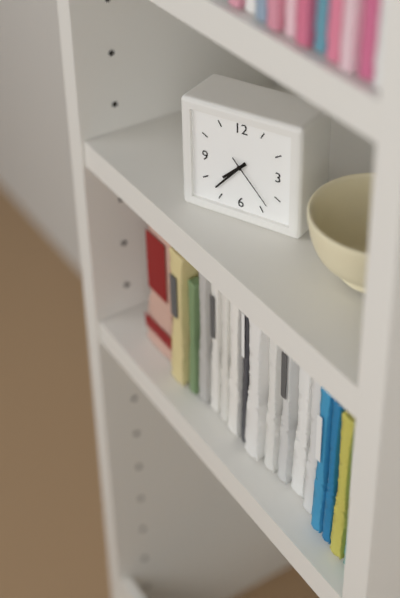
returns 7,37,23
